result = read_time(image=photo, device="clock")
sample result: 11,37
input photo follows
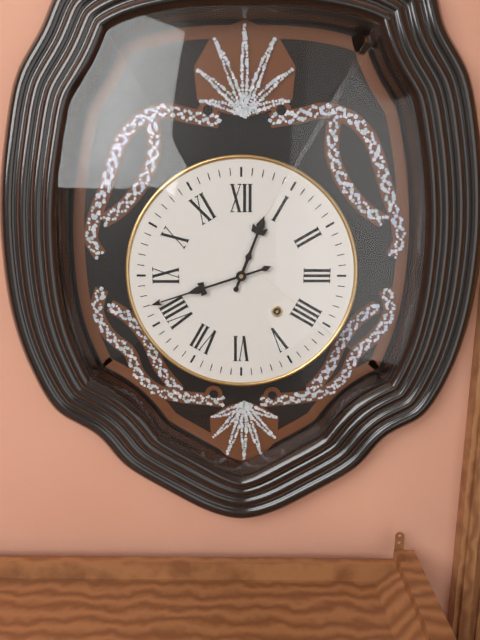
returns 12,42
